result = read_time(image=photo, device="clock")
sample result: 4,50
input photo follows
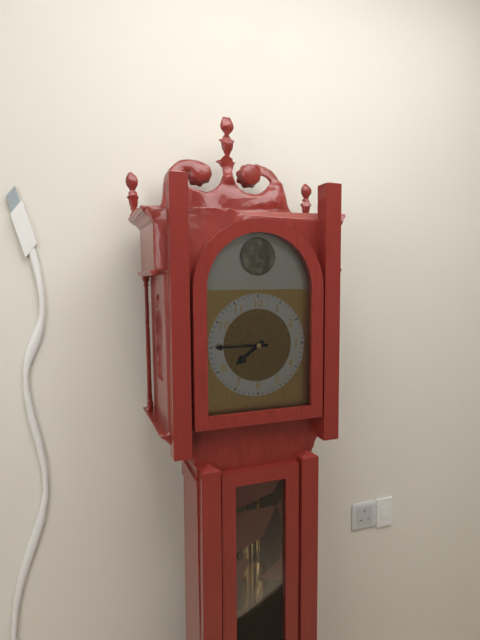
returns 7,45
